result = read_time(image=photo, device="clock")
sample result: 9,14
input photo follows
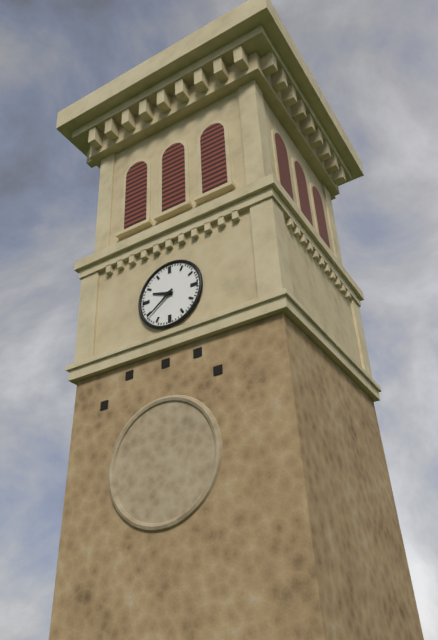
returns 9,39
